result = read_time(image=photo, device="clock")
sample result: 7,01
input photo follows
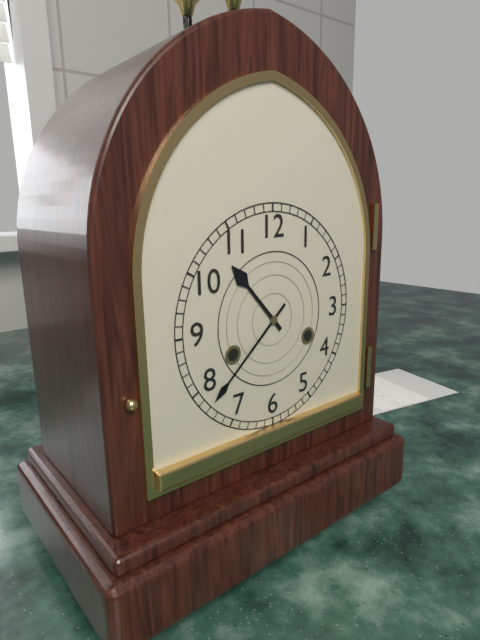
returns 10,38
